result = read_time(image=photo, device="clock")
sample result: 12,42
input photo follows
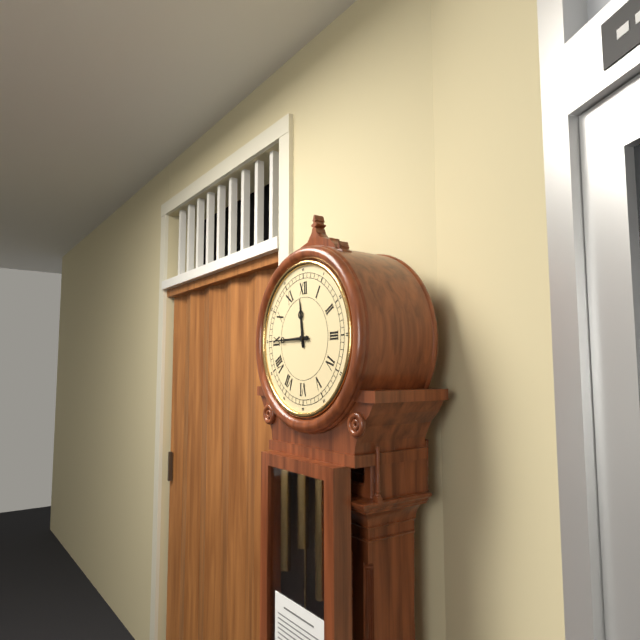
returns 11,45
